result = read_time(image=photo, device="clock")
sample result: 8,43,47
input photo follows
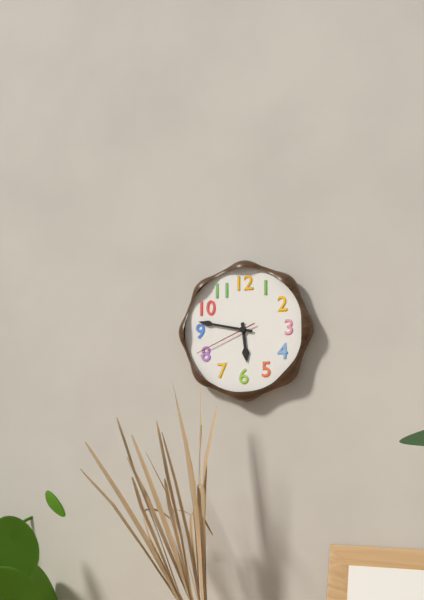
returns 5,47,41
